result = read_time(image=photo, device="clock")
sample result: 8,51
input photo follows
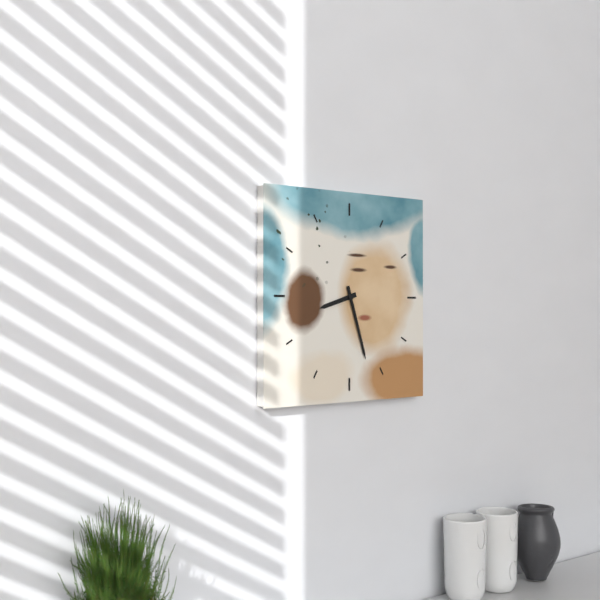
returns 8,27
